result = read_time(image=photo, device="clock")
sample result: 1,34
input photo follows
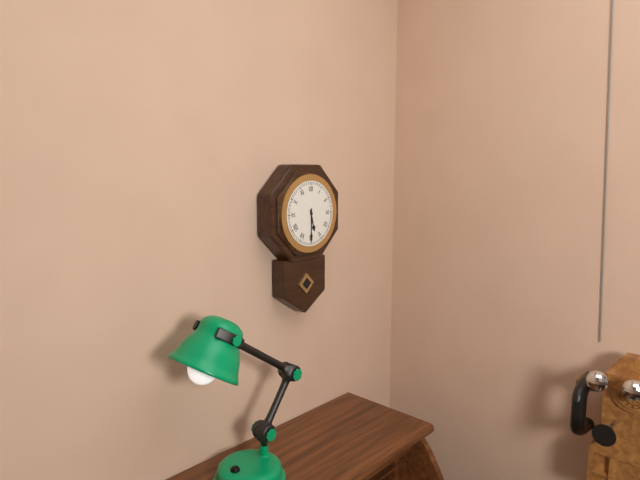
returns 5,30
